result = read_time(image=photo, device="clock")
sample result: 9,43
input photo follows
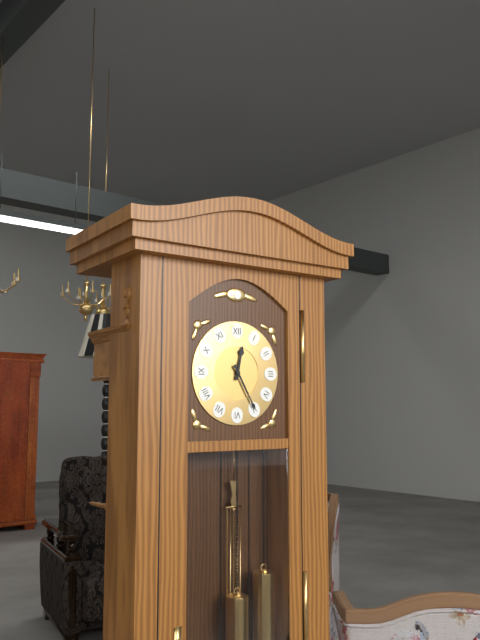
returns 12,25
